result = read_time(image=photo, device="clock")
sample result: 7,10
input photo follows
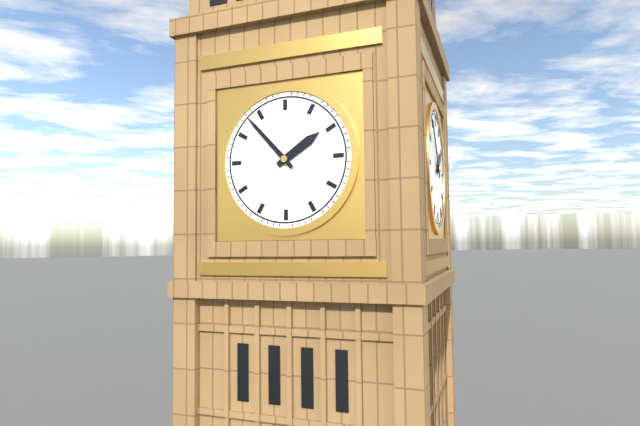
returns 1,53
